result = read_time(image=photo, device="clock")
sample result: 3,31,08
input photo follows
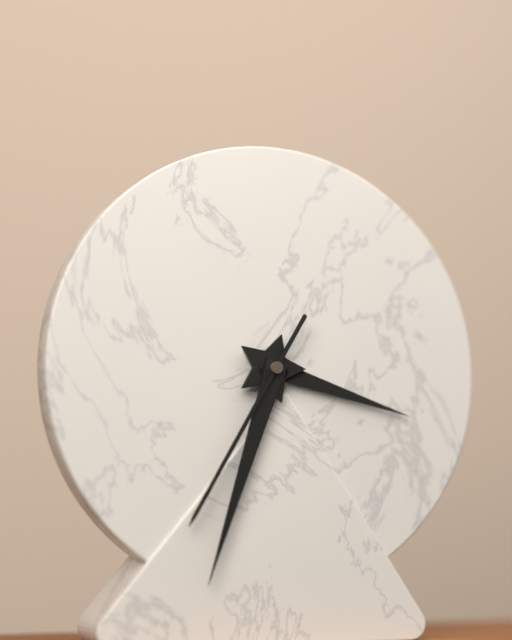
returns 3,33,35
